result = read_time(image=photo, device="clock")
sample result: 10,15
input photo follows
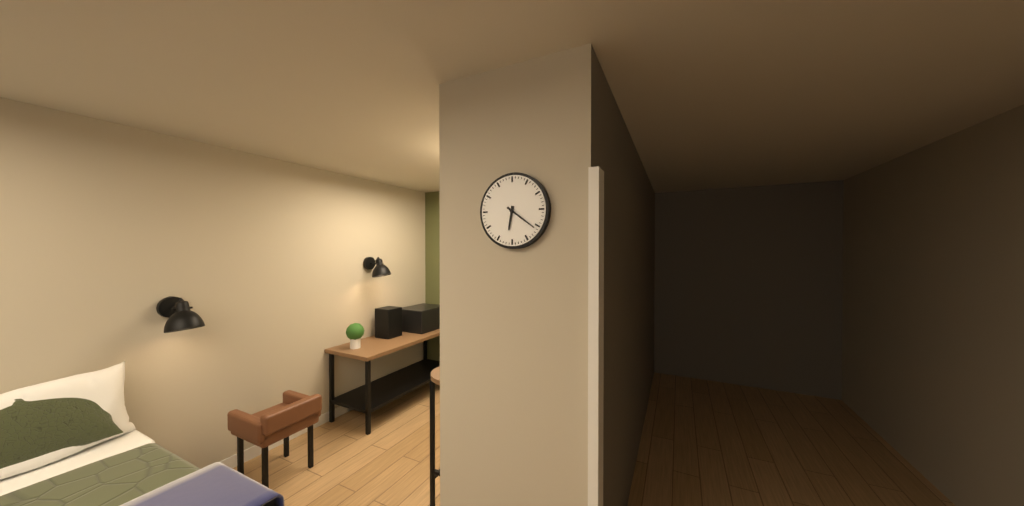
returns 6,21
